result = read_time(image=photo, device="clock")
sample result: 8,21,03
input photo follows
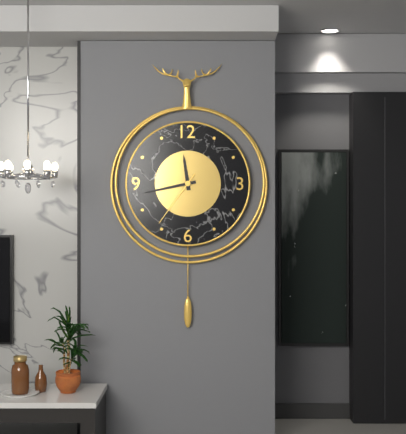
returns 11,43,36
